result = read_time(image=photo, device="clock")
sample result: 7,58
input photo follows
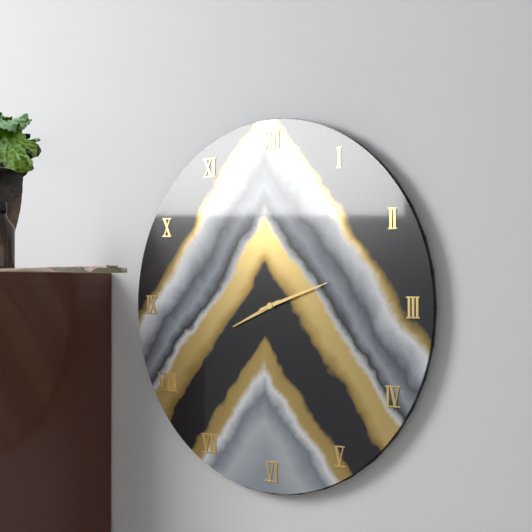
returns 8,12
